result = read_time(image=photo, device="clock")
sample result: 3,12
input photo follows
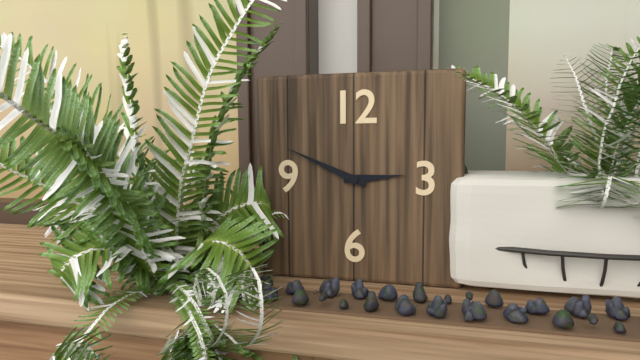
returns 2,49
